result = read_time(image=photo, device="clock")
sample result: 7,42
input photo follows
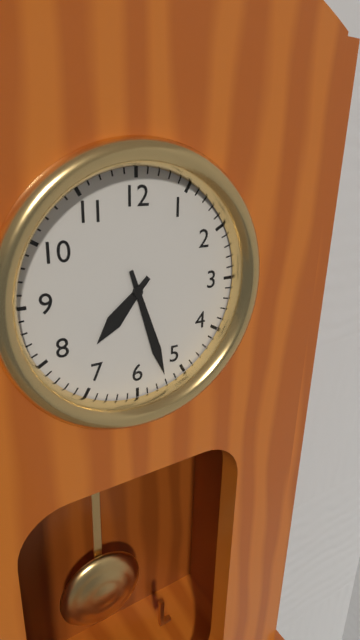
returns 7,27
